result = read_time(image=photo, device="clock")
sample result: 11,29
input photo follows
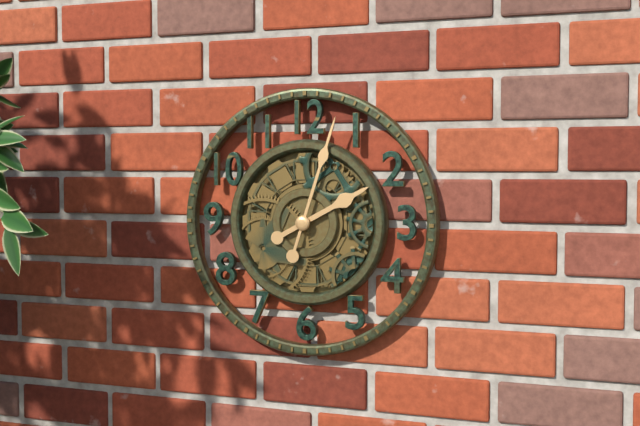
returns 2,03
